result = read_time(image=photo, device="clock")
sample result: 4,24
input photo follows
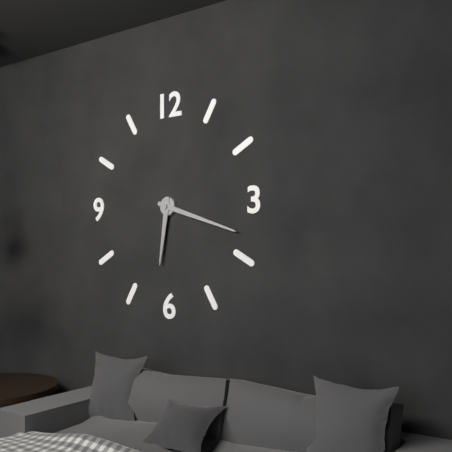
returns 6,18
